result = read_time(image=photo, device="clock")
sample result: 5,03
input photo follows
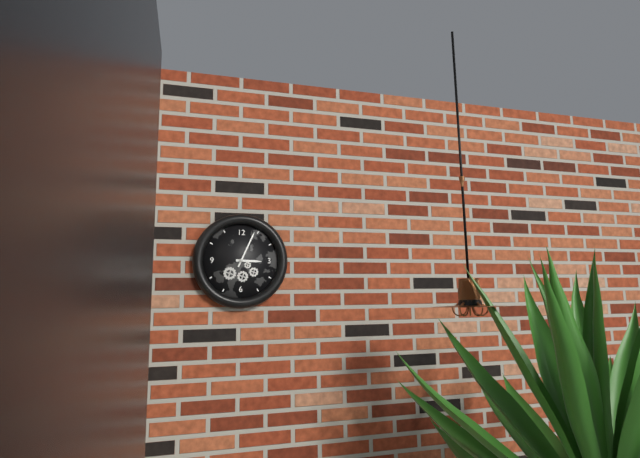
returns 3,04
